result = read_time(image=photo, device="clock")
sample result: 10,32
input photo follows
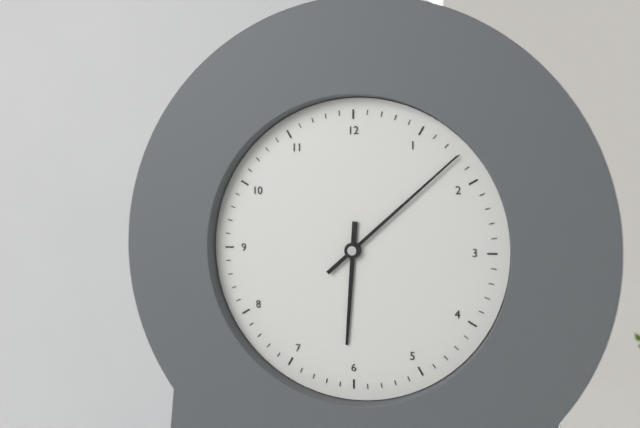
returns 6,08
